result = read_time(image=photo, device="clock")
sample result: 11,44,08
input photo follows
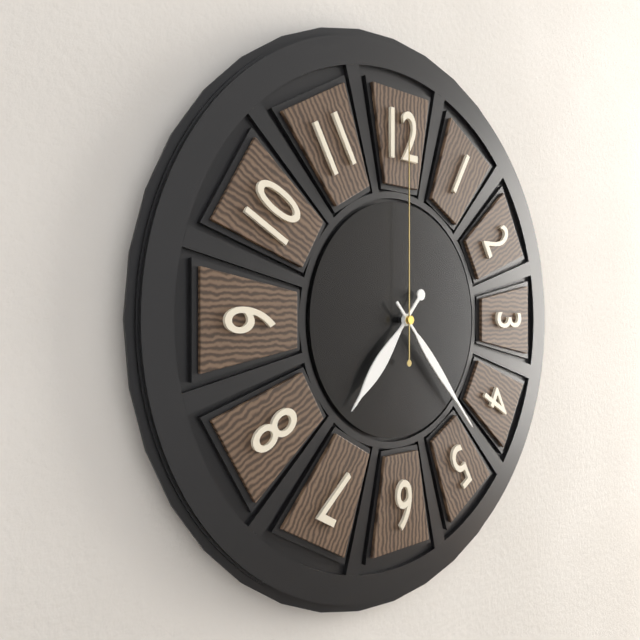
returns 7,23,00
